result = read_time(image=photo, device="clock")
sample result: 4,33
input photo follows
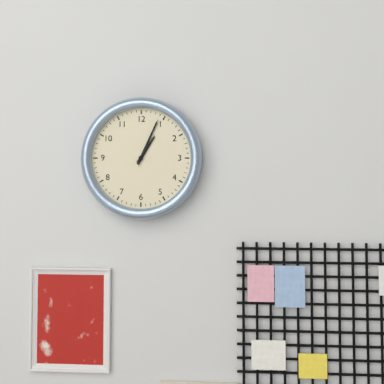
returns 1,04
